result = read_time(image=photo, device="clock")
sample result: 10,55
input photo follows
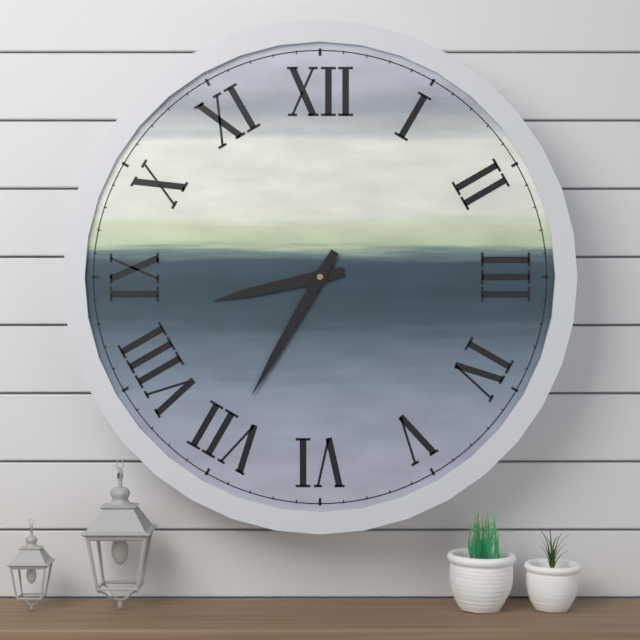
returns 8,35
